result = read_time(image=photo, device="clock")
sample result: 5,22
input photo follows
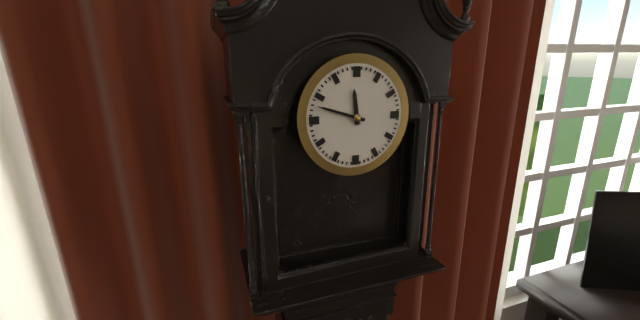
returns 11,48
